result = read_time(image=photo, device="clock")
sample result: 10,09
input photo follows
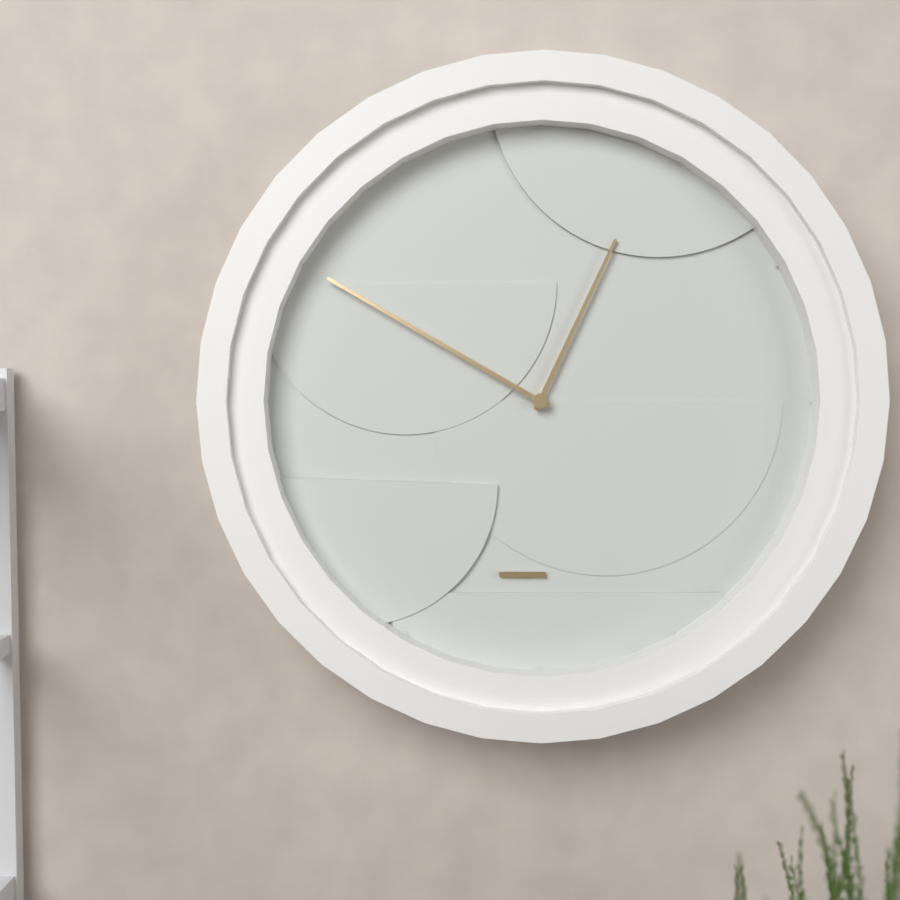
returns 12,50
